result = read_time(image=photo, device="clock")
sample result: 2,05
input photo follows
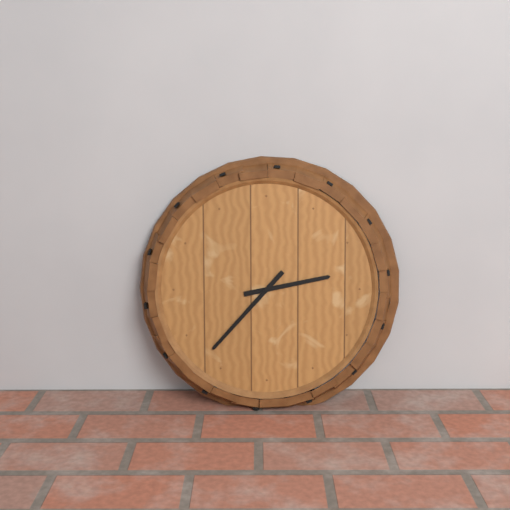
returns 2,37
